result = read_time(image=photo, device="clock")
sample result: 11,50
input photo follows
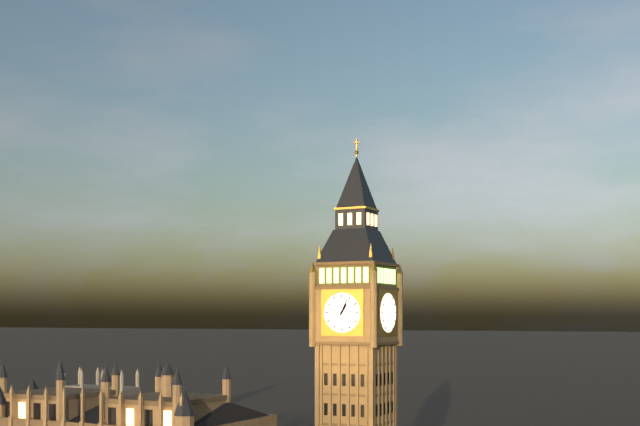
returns 1,04
